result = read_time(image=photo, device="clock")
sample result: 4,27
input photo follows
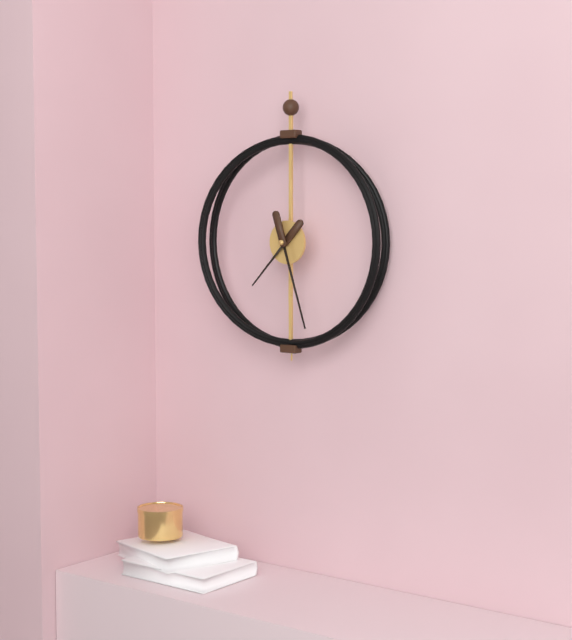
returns 7,27
